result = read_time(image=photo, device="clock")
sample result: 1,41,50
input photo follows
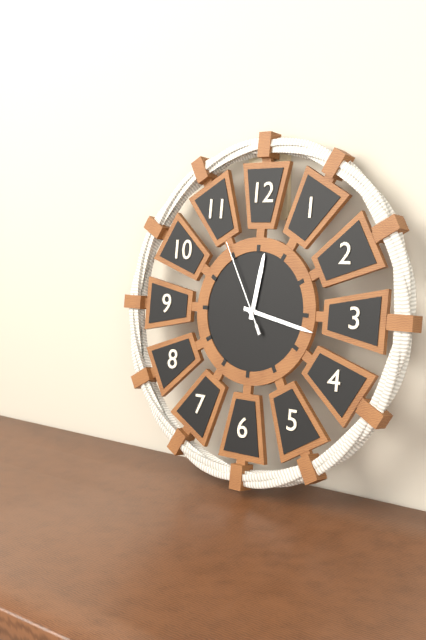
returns 12,17,55
